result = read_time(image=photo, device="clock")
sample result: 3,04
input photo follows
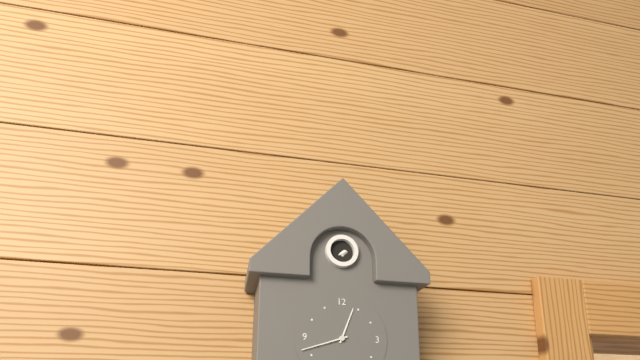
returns 12,42
